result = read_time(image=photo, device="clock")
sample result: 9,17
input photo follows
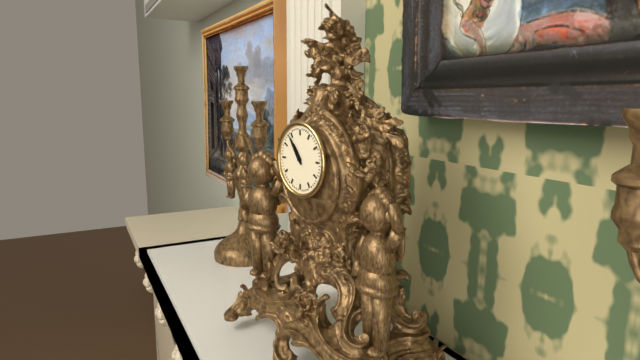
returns 10,54
